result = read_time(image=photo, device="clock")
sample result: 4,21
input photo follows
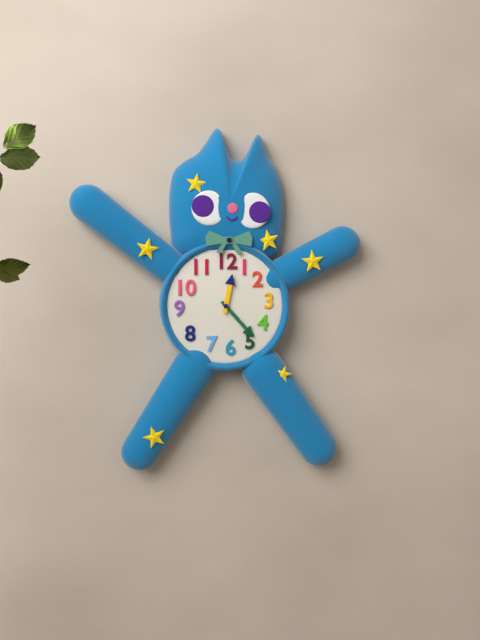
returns 12,23
